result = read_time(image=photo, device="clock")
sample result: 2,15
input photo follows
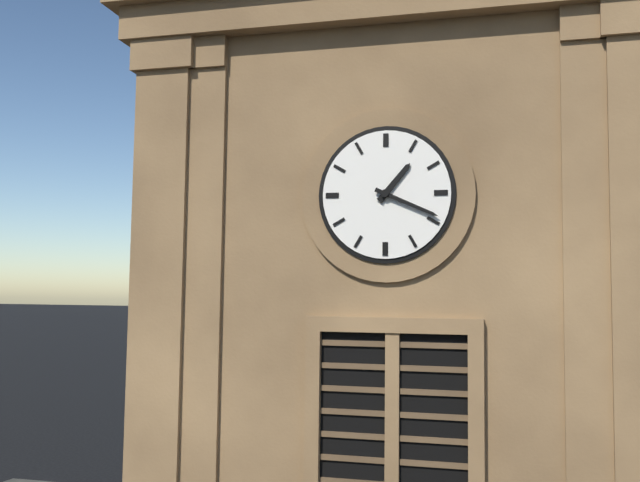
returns 1,19
